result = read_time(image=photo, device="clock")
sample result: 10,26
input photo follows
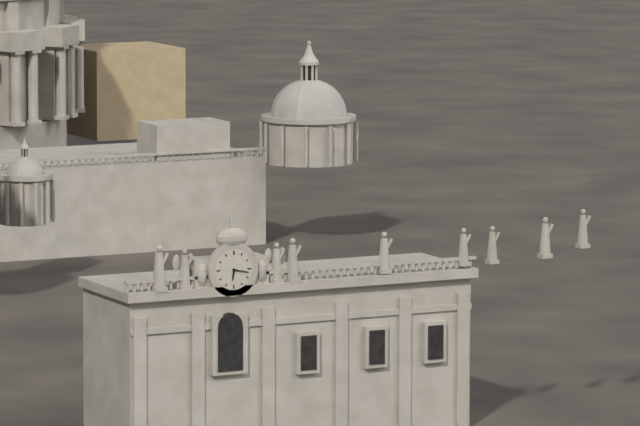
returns 6,17
